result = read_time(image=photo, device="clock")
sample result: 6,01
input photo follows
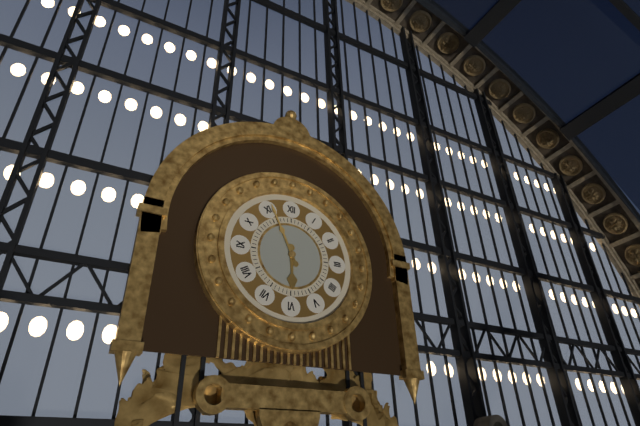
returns 5,56
